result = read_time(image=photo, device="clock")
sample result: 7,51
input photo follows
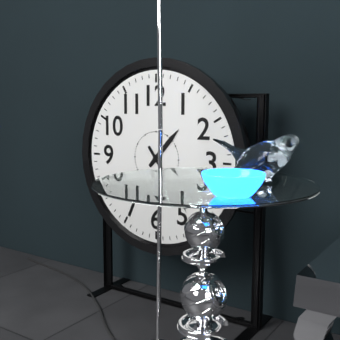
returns 1,24
